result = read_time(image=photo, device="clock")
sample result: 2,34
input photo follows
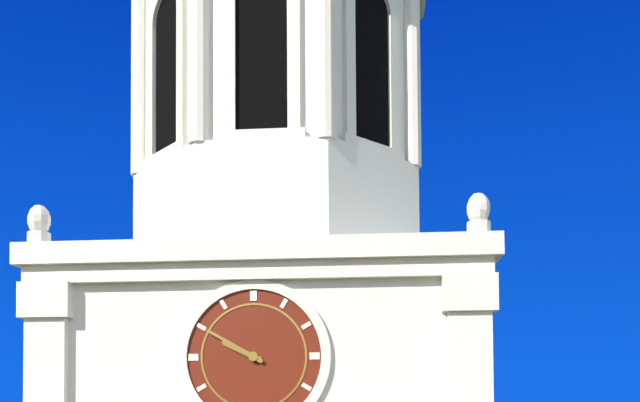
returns 9,50
